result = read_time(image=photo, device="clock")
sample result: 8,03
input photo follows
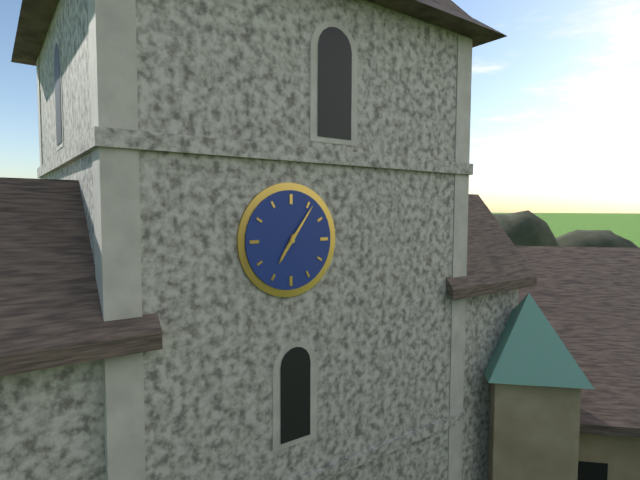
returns 7,06
